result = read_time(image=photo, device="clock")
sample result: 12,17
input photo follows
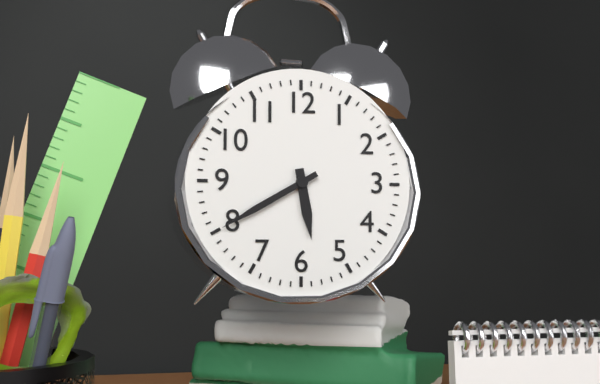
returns 5,40
